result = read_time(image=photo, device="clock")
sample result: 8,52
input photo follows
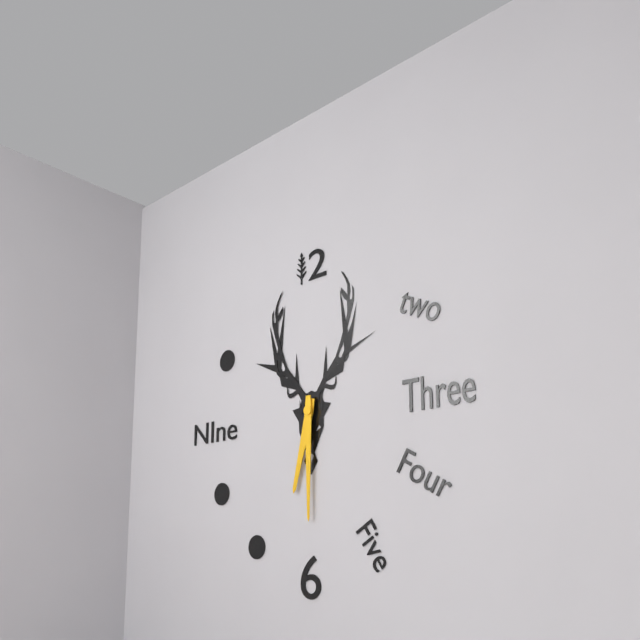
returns 6,30
